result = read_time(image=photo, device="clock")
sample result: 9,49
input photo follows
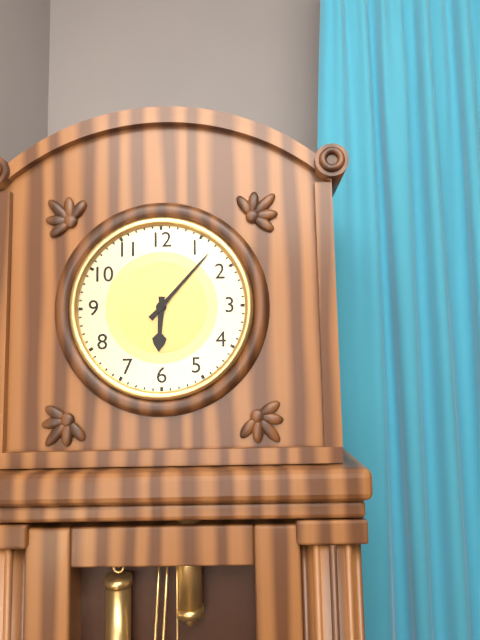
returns 6,07
